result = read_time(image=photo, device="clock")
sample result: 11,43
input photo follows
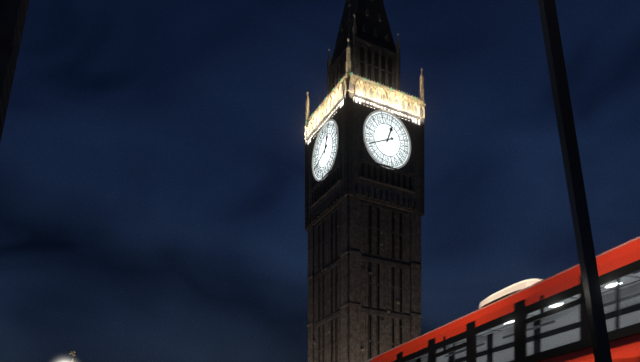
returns 12,41
